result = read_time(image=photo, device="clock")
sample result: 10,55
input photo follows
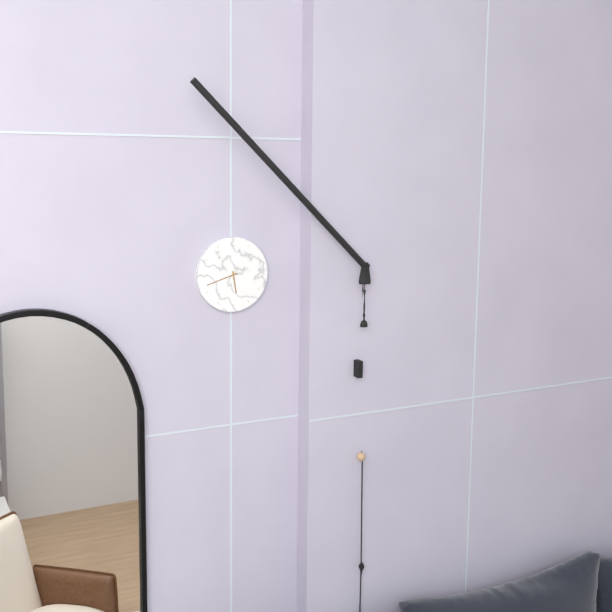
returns 5,42
